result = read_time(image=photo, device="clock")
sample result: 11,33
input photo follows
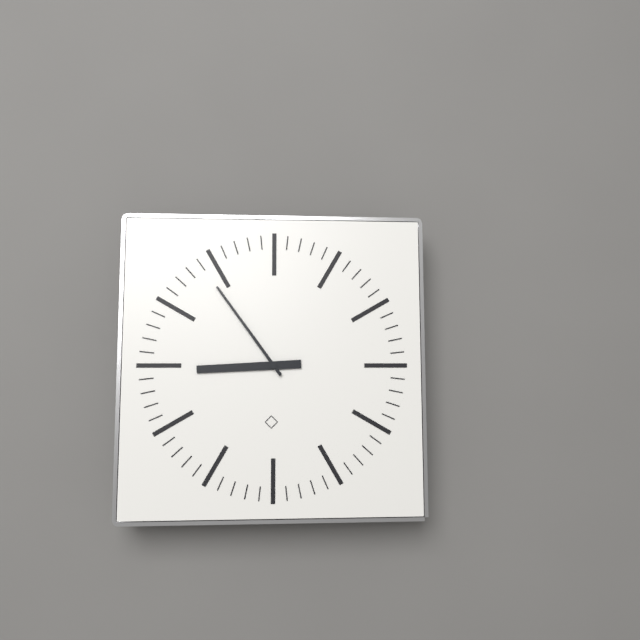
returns 8,54
